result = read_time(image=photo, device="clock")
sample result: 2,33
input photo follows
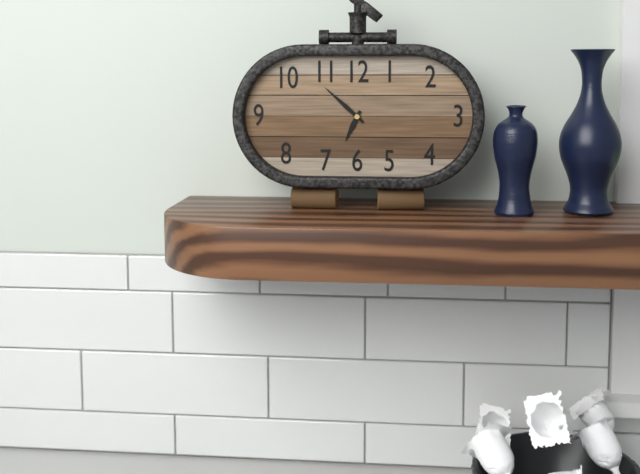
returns 6,52
